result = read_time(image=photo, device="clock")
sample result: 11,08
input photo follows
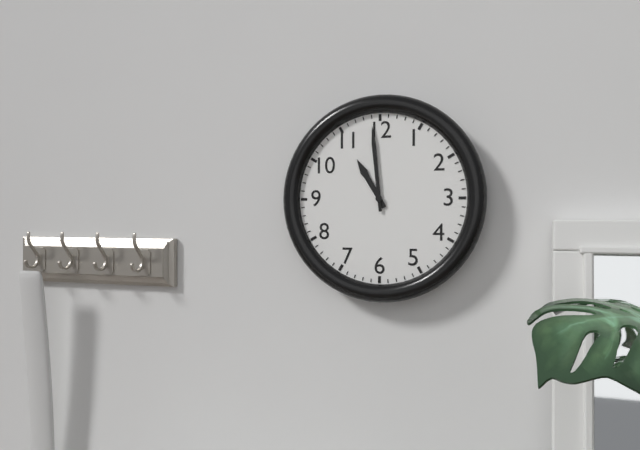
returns 10,59
